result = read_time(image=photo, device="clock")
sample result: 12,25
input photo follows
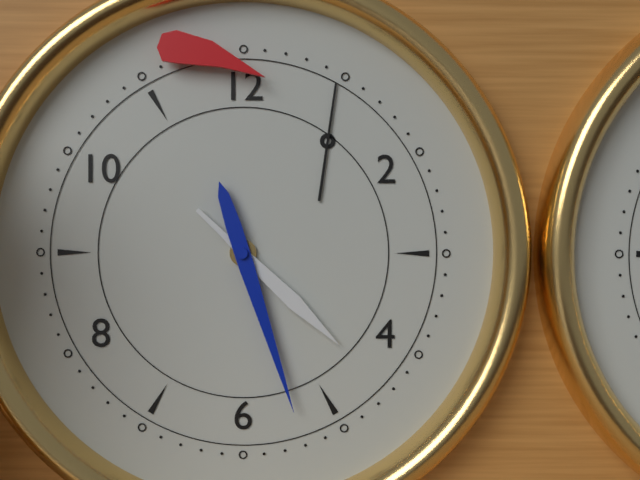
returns 4,27
